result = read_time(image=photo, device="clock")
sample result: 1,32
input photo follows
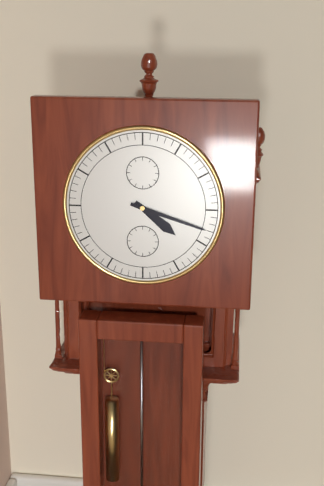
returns 4,18
